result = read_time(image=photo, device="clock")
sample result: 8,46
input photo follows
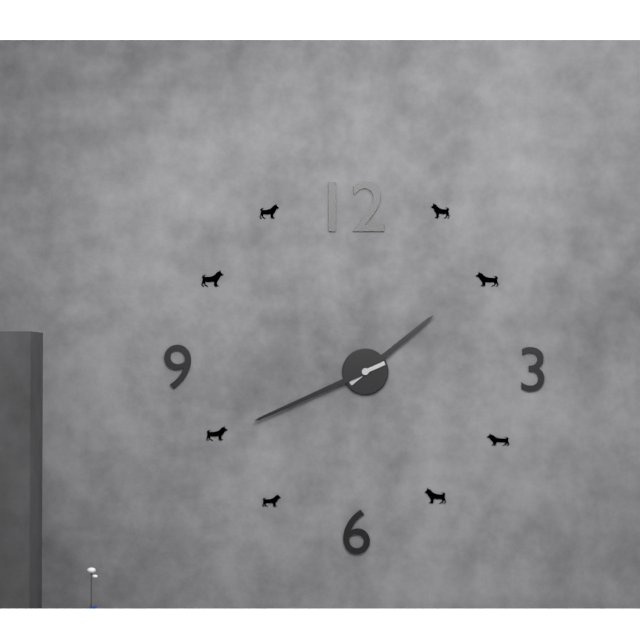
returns 1,41
